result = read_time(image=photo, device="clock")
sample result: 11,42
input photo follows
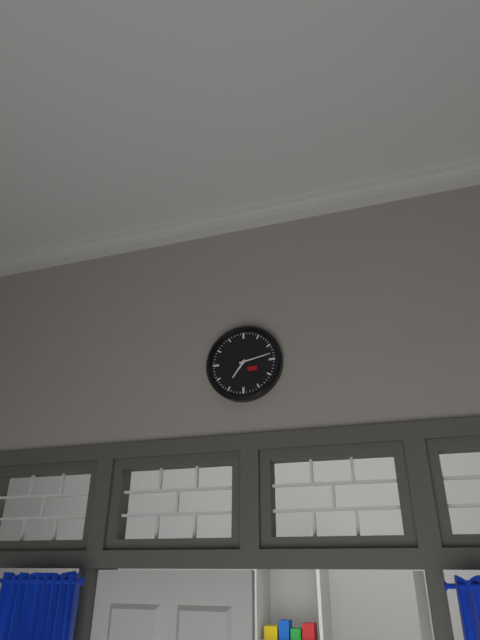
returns 7,13
